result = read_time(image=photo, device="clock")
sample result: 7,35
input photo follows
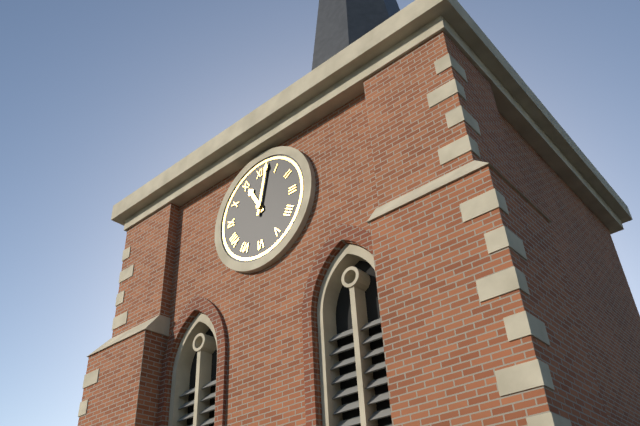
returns 11,02
